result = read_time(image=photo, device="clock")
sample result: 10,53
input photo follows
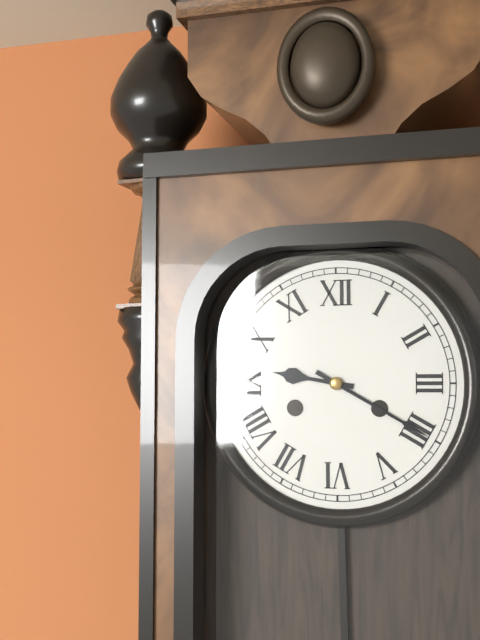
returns 9,20
